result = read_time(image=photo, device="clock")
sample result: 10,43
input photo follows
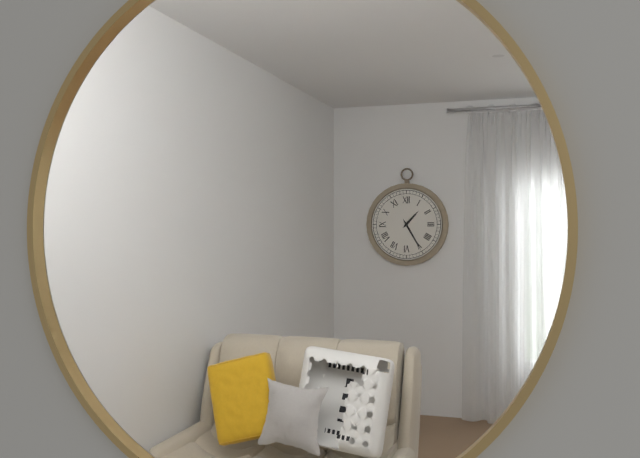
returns 1,25
